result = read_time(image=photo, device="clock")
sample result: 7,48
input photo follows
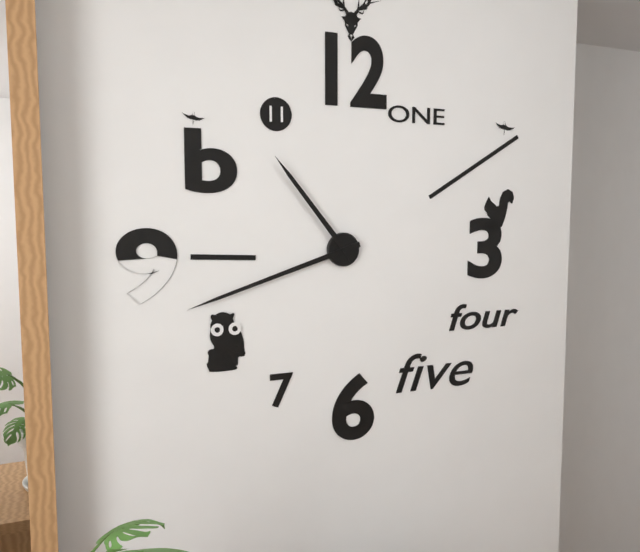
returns 10,42
